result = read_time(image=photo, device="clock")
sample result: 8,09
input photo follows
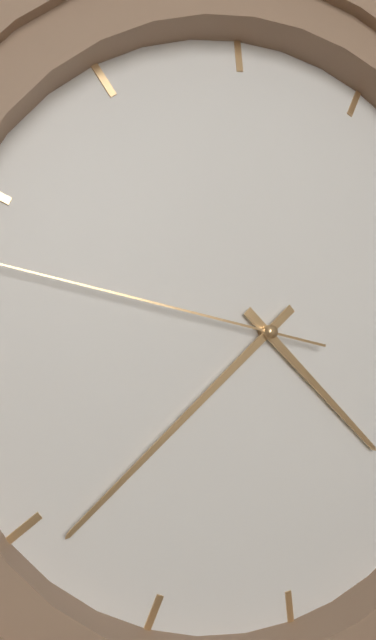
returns 4,39
